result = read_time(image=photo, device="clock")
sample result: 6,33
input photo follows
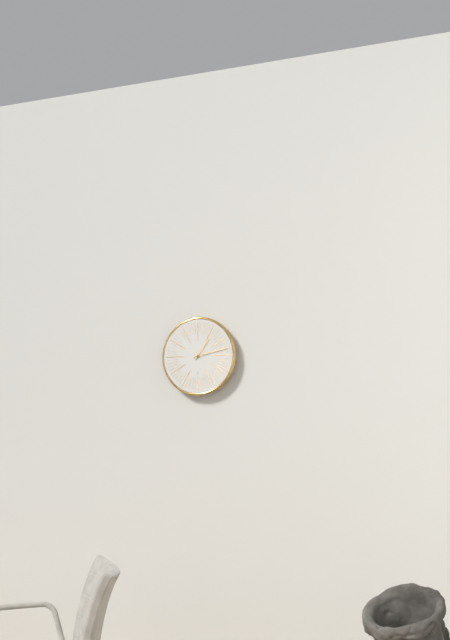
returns 1,13
